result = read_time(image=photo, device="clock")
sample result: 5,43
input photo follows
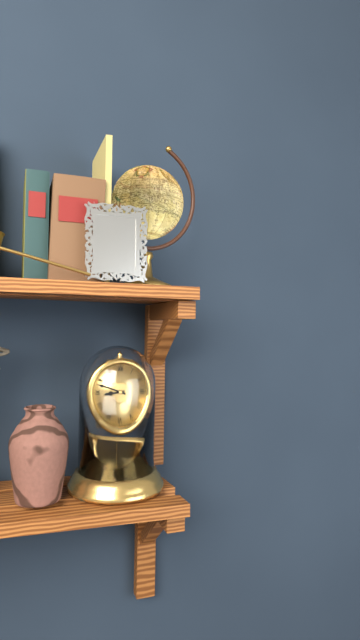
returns 8,48
